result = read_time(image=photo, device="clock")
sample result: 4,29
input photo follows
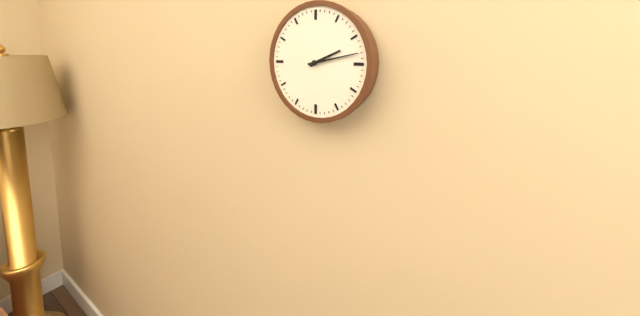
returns 2,13
